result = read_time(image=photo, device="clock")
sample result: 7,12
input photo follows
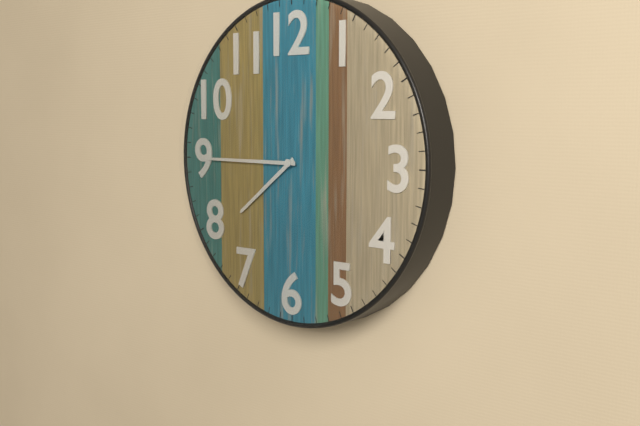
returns 7,45
